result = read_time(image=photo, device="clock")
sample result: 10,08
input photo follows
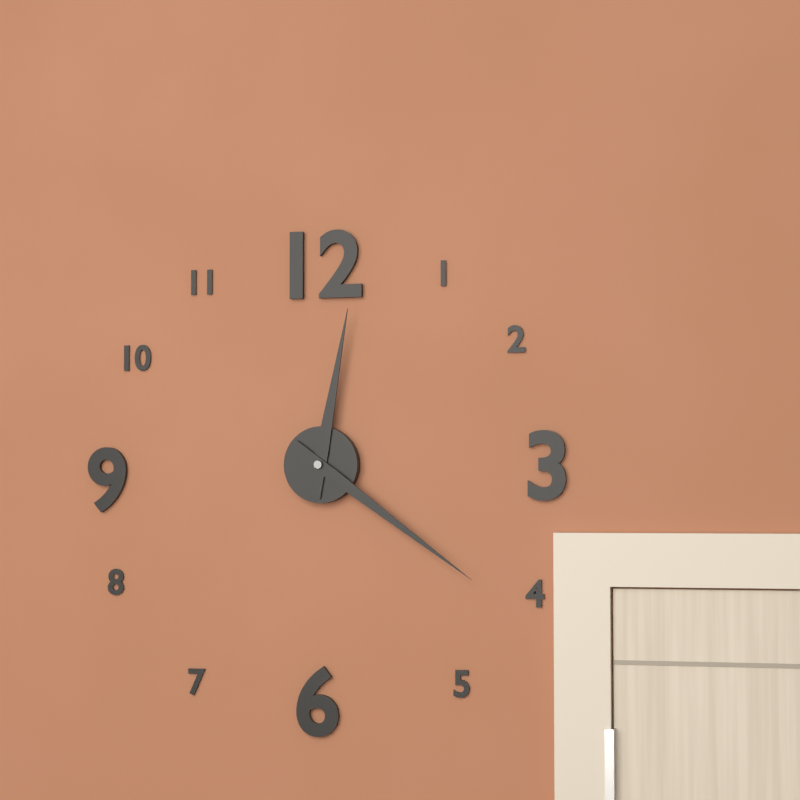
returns 12,21
